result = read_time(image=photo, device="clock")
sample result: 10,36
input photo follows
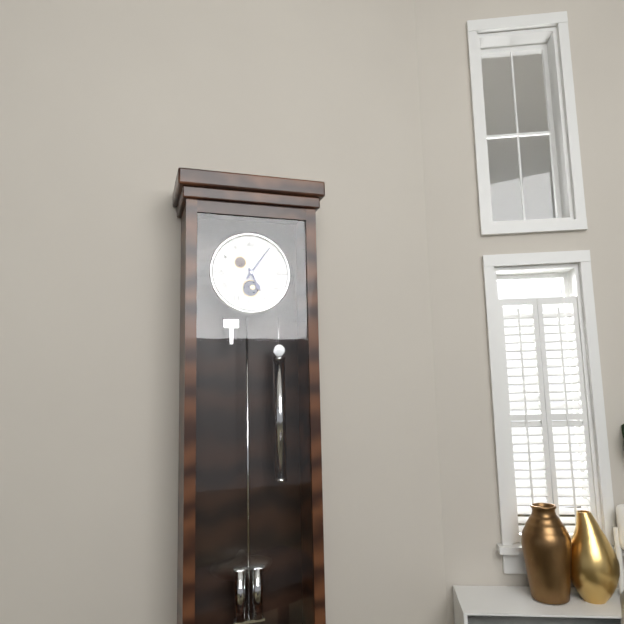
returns 5,06
